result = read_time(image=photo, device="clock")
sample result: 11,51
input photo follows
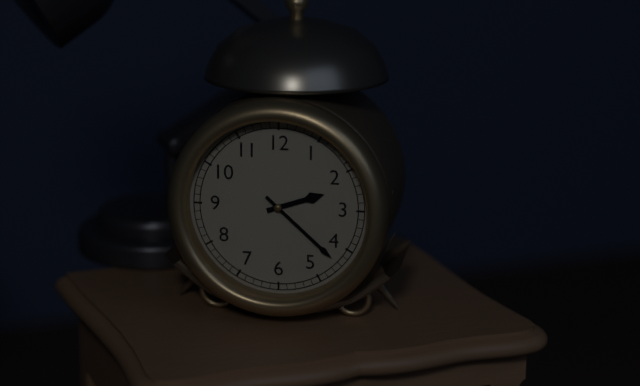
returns 2,22
